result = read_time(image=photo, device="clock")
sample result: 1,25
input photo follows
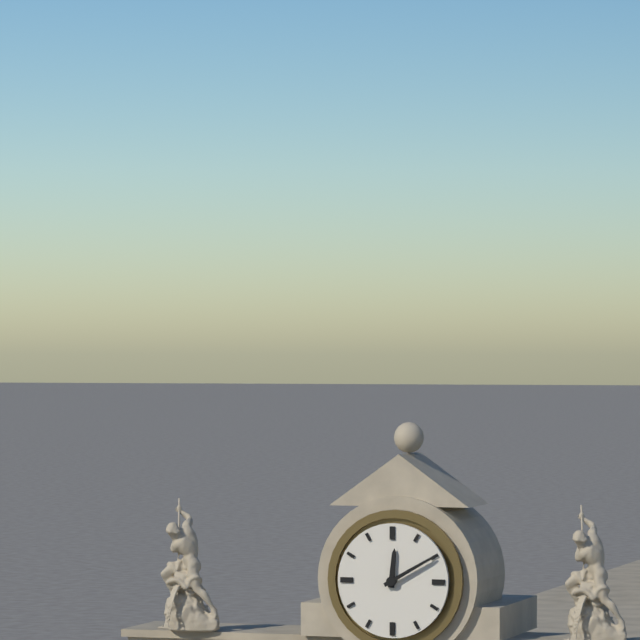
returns 12,10
